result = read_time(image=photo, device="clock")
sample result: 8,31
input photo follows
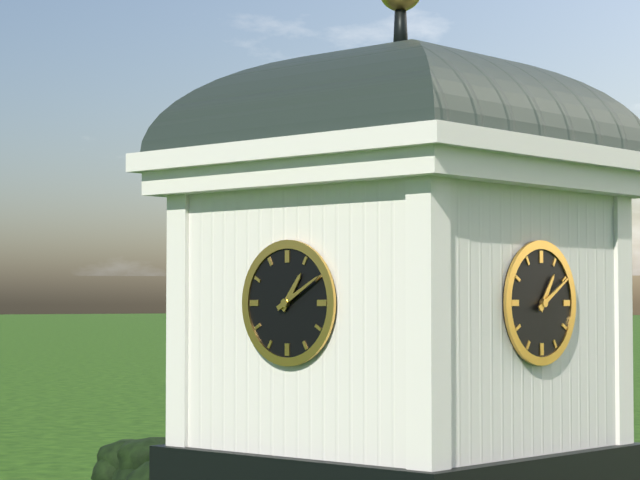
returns 1,10
